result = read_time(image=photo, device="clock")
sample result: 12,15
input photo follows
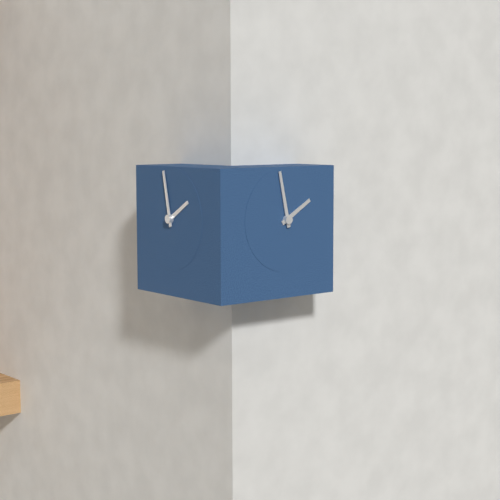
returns 1,58
